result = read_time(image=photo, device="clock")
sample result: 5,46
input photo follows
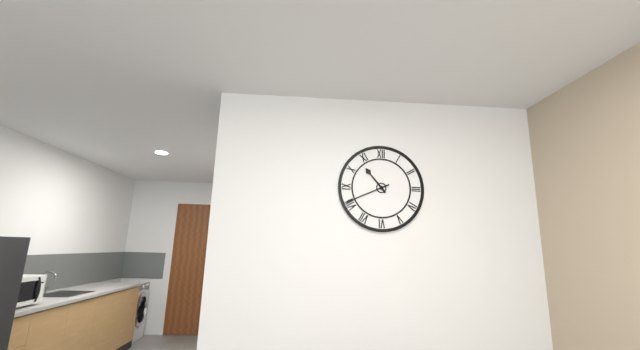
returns 10,41
